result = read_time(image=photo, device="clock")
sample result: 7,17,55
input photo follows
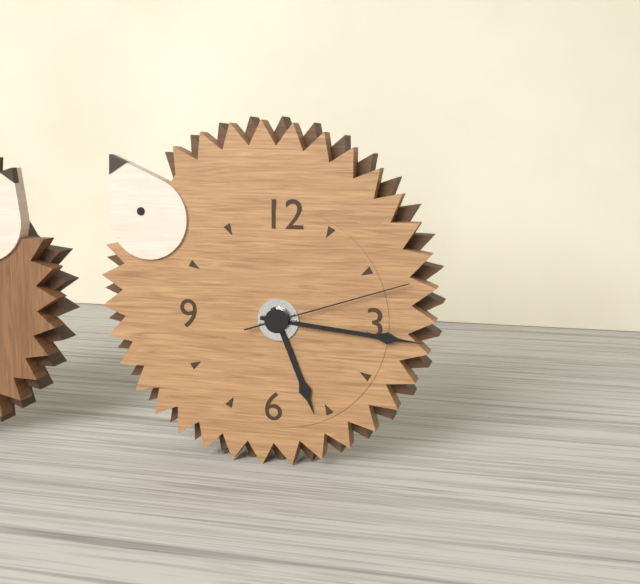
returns 5,16,12
